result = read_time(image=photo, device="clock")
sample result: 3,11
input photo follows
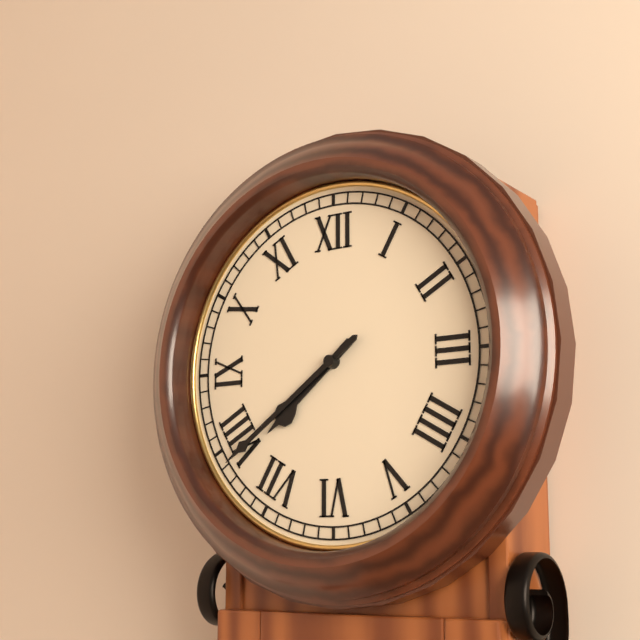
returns 7,39
